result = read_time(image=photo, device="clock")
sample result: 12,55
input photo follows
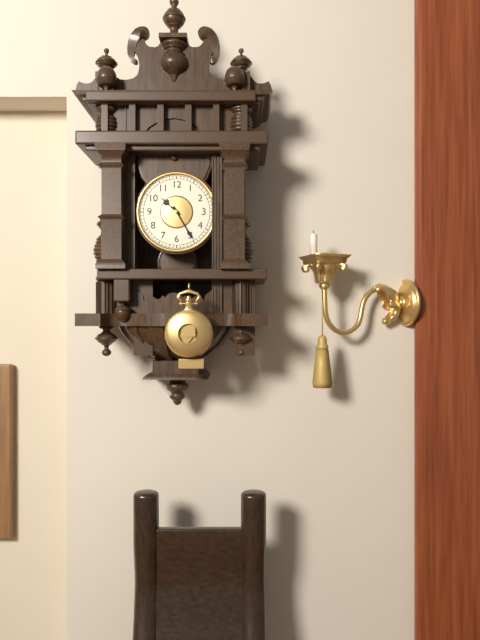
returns 10,25
